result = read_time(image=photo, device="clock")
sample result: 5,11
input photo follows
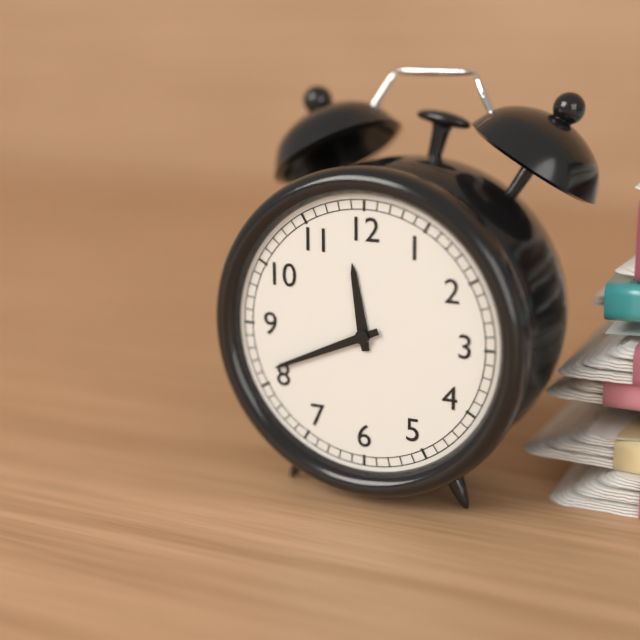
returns 11,41
